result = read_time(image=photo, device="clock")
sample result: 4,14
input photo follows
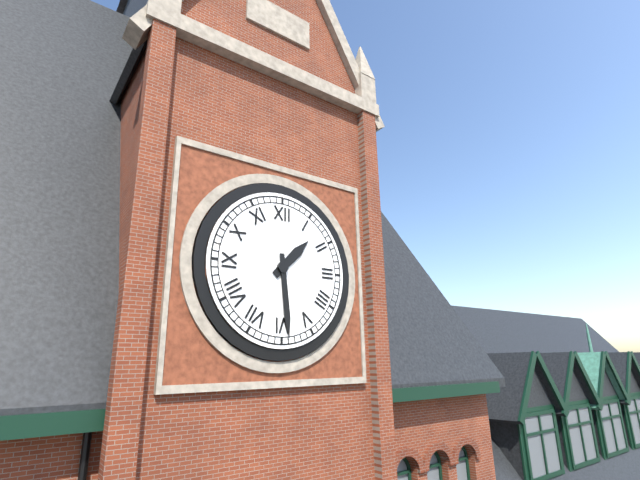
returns 1,29
